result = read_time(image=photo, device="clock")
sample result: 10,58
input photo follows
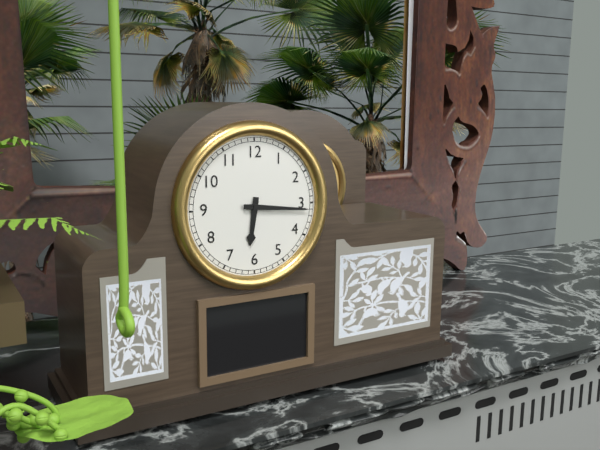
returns 6,16
